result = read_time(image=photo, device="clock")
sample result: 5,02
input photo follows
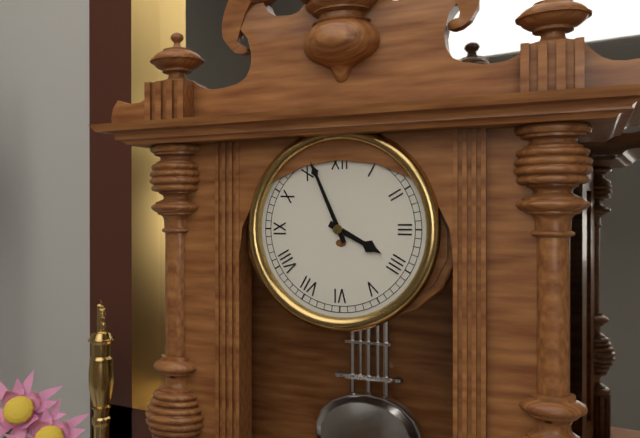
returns 3,56
